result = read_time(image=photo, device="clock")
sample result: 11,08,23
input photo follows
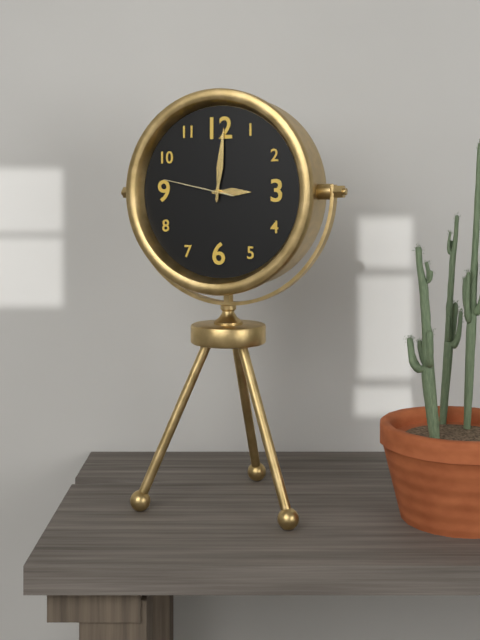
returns 3,01,47
